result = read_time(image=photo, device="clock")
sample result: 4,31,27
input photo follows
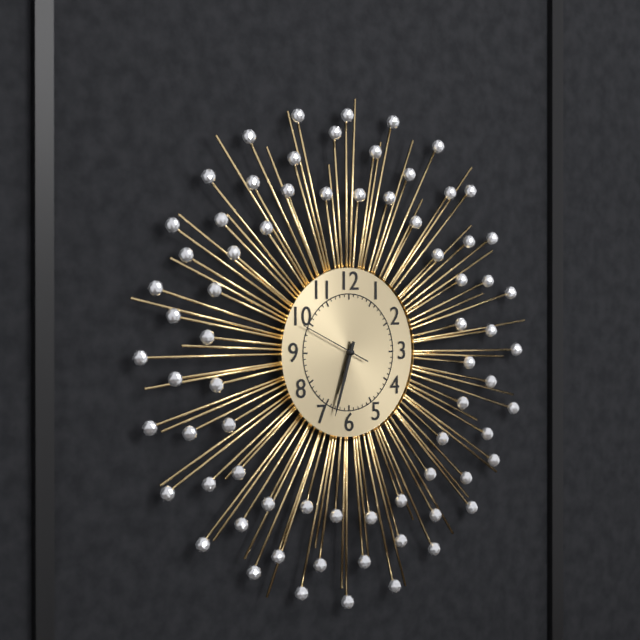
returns 6,33,49
